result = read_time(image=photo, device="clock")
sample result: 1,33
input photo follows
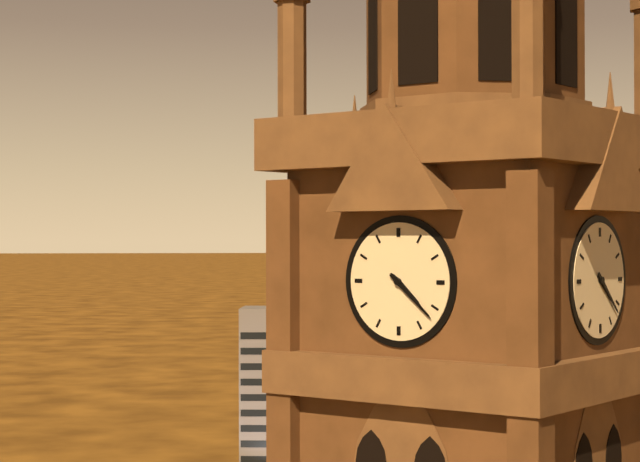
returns 4,22
